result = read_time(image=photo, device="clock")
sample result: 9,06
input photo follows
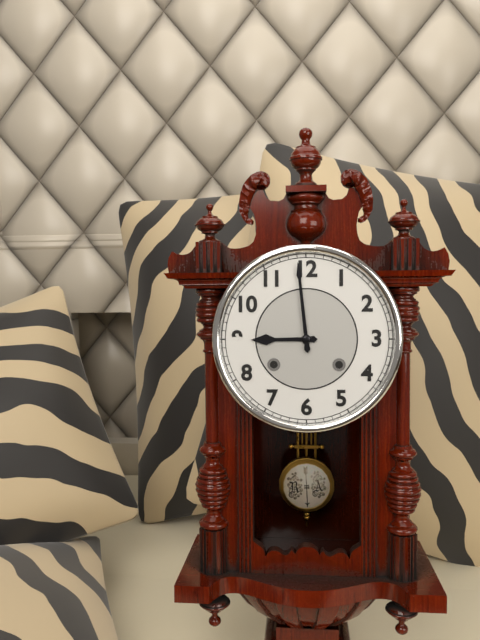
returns 8,59
